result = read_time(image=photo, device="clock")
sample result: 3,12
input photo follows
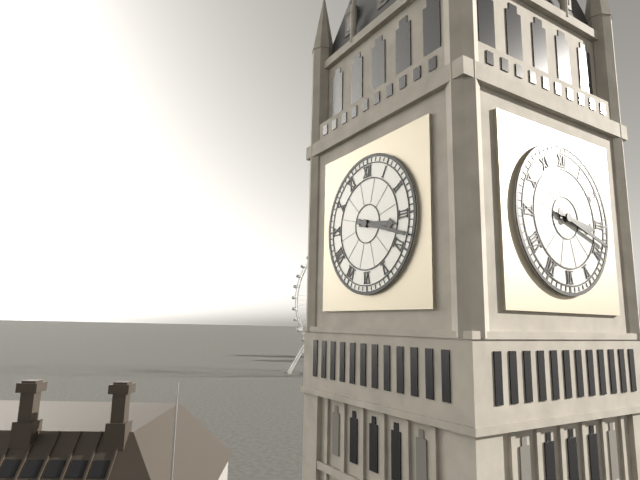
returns 3,18
